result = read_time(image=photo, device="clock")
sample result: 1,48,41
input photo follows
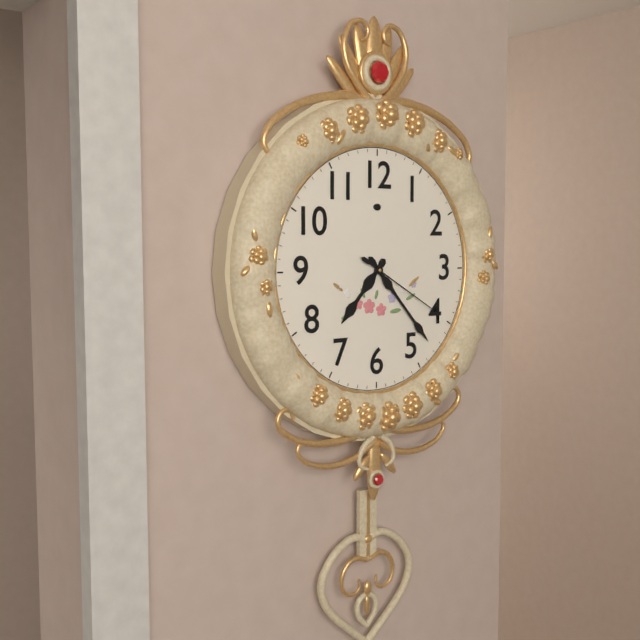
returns 7,23,20
